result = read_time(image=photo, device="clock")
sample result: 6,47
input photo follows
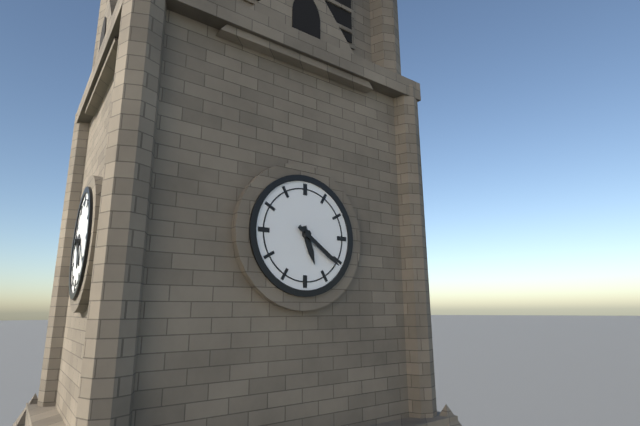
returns 5,21
